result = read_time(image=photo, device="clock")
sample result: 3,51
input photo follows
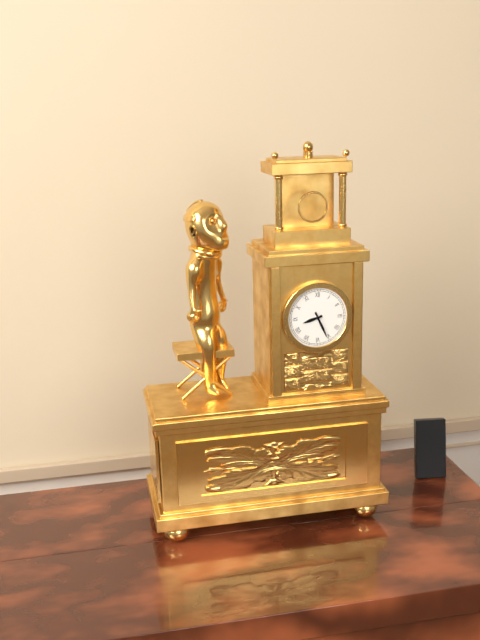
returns 8,26
